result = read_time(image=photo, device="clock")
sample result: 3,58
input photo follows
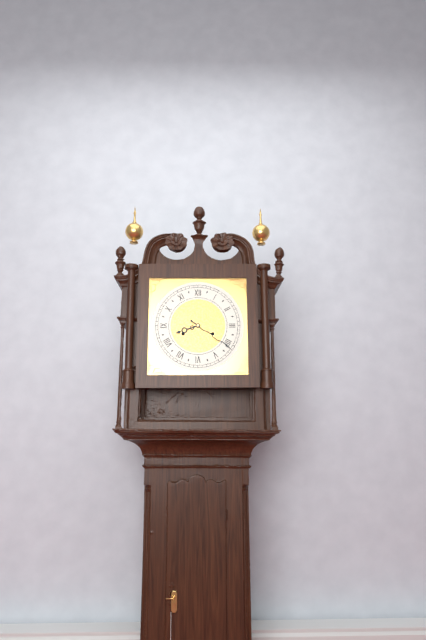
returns 8,21
